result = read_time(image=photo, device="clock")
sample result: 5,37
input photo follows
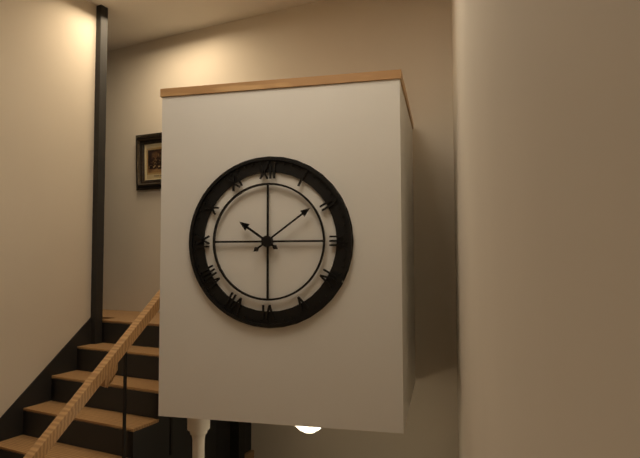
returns 10,09
